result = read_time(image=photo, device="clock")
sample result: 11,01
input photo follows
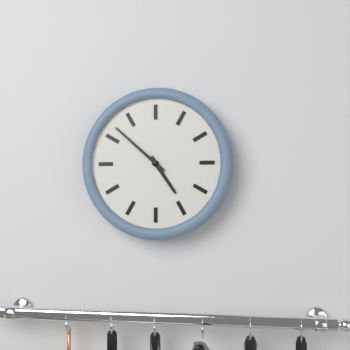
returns 4,52
